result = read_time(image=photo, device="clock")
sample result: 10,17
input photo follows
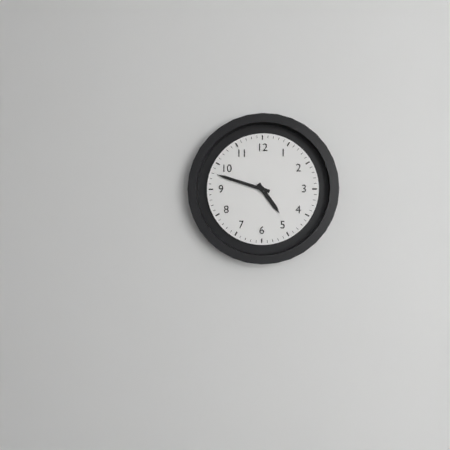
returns 4,48
